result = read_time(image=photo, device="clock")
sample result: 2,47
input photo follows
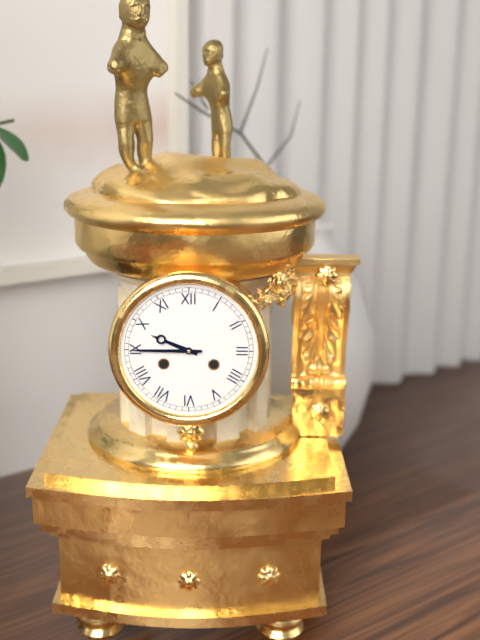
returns 9,45
